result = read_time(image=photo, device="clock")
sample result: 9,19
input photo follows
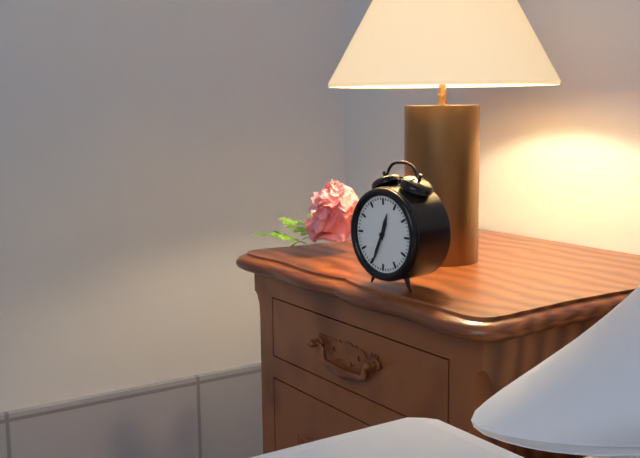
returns 12,34
